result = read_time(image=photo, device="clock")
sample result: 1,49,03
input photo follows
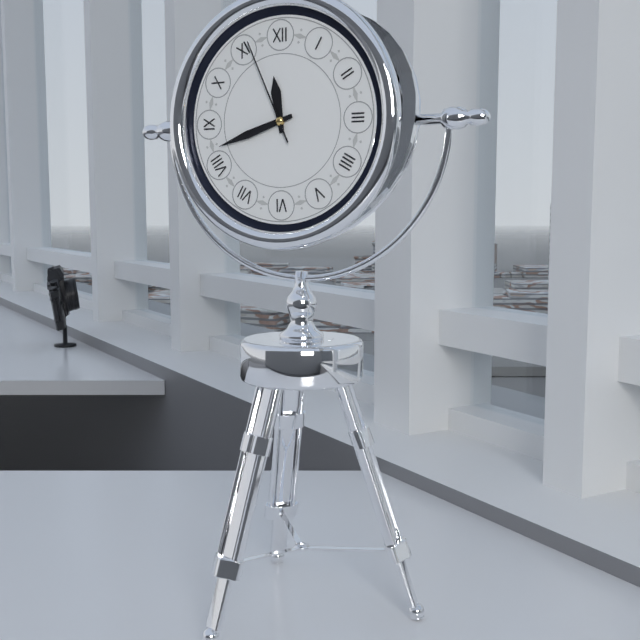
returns 11,42,56
